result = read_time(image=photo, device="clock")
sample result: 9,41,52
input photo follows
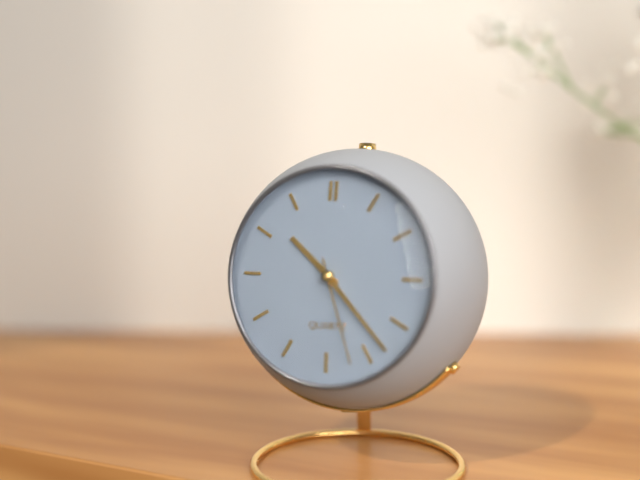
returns 10,23,27
